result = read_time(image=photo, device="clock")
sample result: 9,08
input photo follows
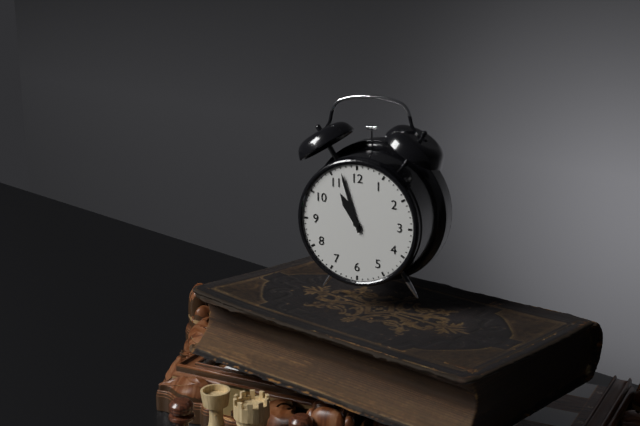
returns 10,57
